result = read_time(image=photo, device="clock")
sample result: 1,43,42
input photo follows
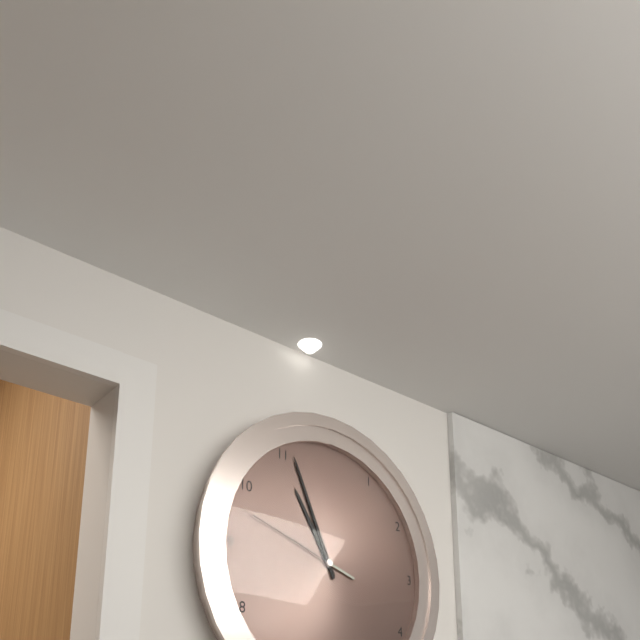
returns 10,56,48
